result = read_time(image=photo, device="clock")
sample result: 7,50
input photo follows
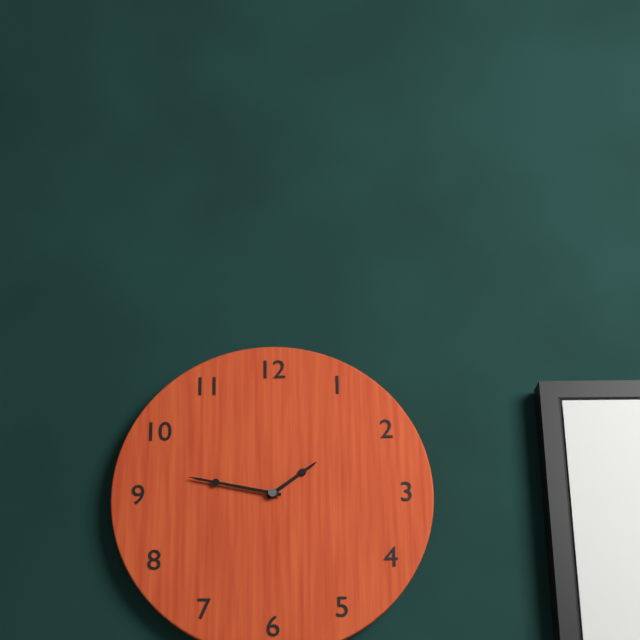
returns 1,47
